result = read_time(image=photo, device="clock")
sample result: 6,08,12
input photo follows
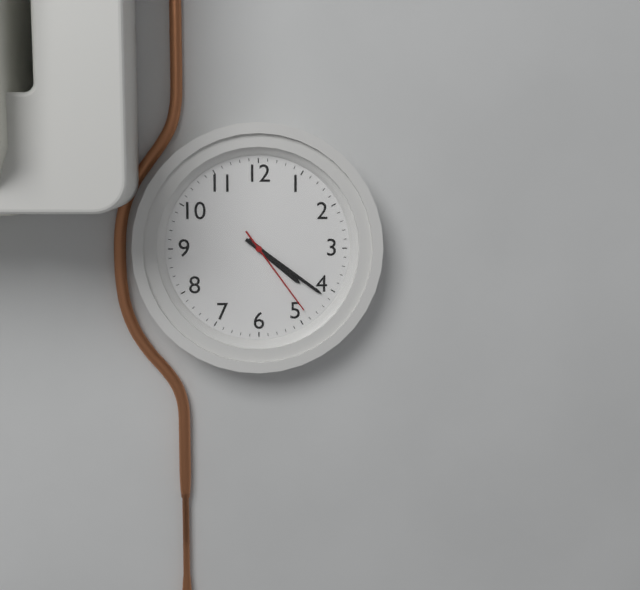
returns 4,21,24
